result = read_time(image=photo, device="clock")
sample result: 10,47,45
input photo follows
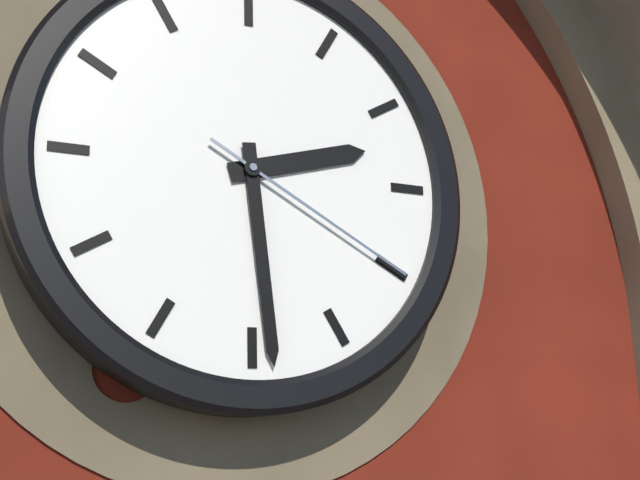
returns 2,29,20
